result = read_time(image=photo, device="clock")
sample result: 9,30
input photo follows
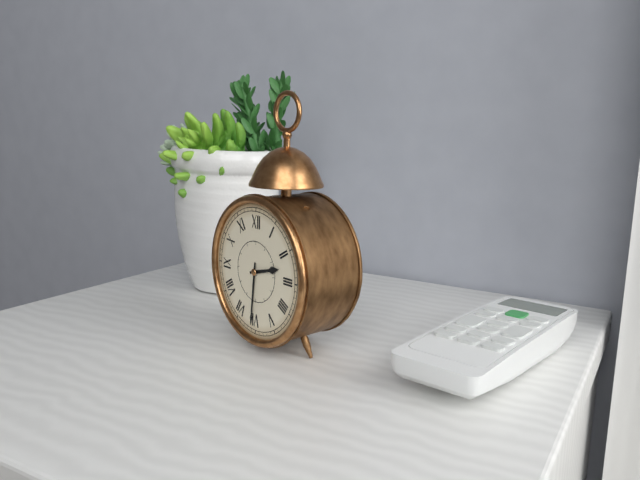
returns 2,31
